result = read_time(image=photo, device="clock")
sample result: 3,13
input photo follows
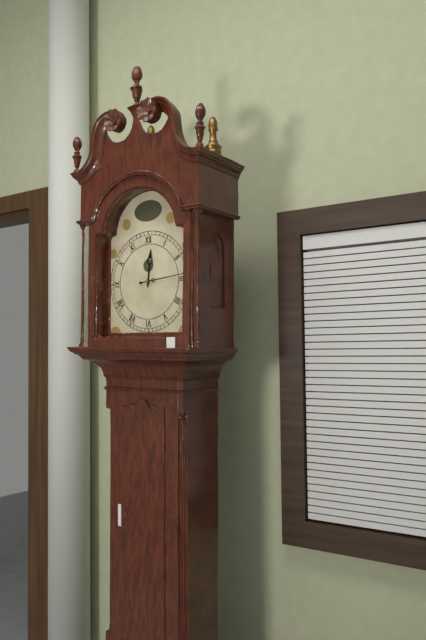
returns 12,14
